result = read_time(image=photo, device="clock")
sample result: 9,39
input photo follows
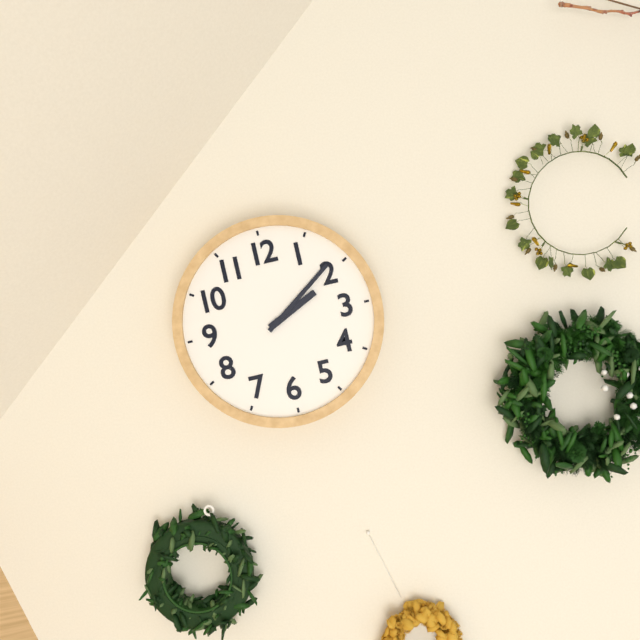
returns 2,09
